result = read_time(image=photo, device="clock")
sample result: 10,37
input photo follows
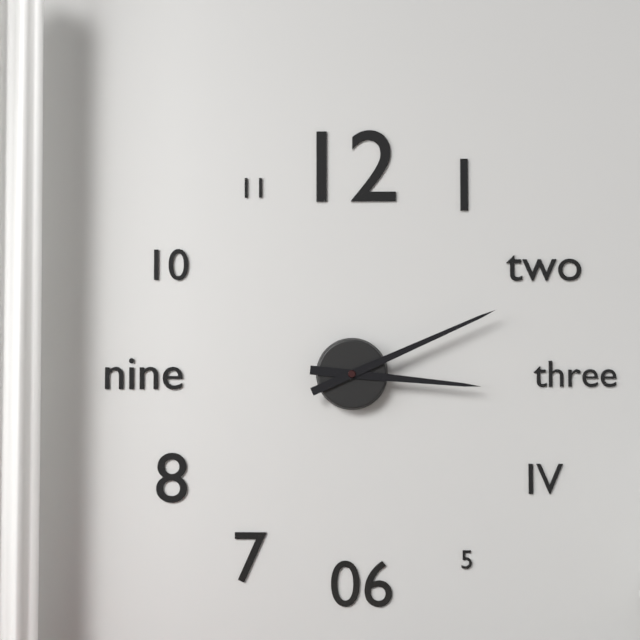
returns 3,11
